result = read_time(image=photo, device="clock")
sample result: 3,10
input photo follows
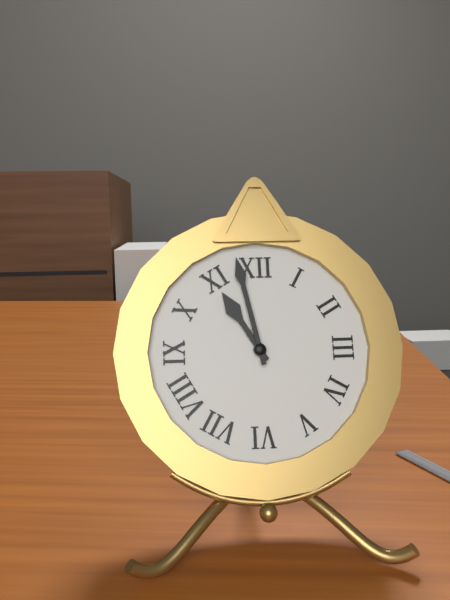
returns 10,58
